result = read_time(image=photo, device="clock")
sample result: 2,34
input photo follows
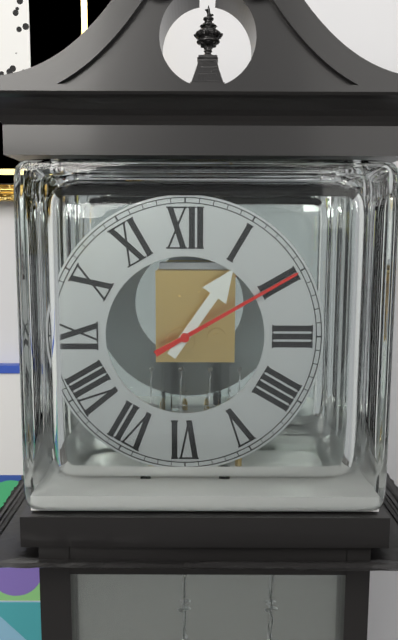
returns 1,10
